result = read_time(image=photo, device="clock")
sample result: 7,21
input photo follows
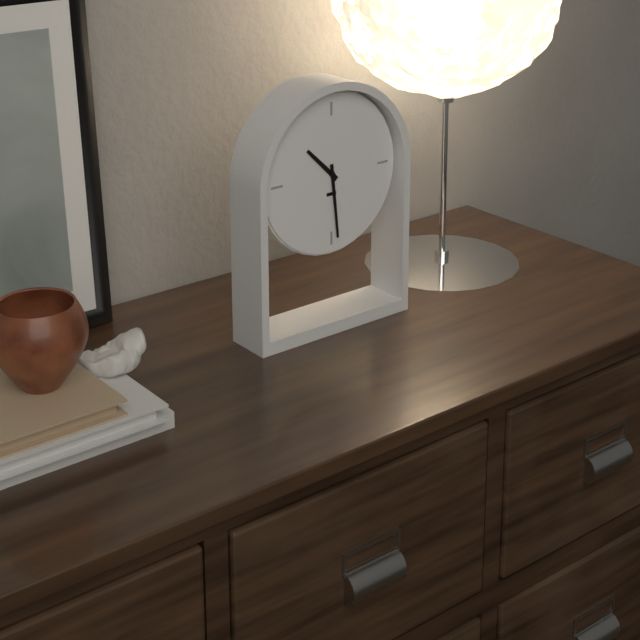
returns 10,29
